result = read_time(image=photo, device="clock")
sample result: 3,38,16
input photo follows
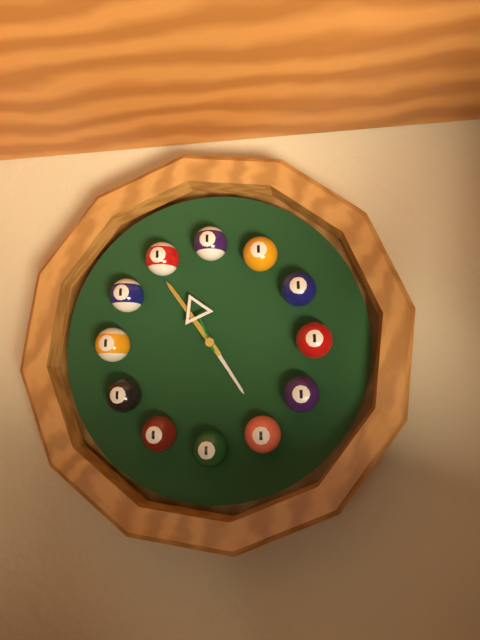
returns 4,54,56
